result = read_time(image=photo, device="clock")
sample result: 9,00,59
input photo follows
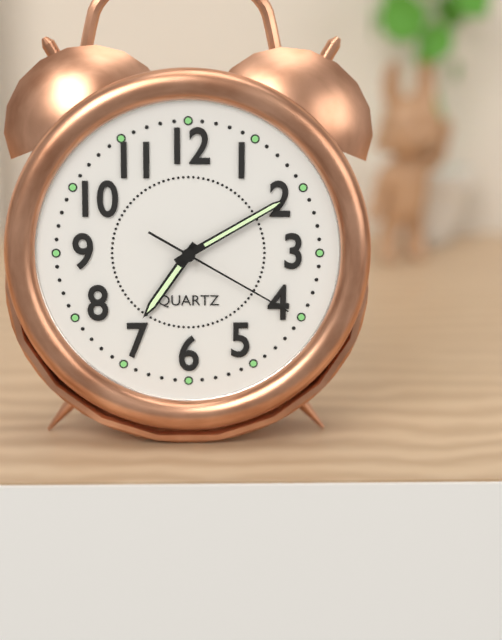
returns 7,10,20
